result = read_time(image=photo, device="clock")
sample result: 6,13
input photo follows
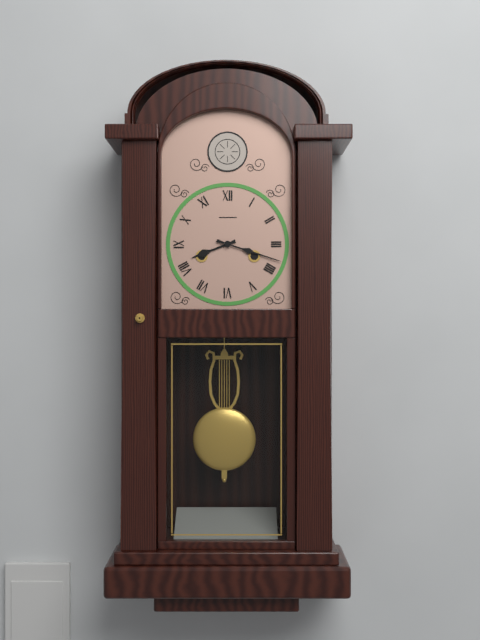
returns 8,18
